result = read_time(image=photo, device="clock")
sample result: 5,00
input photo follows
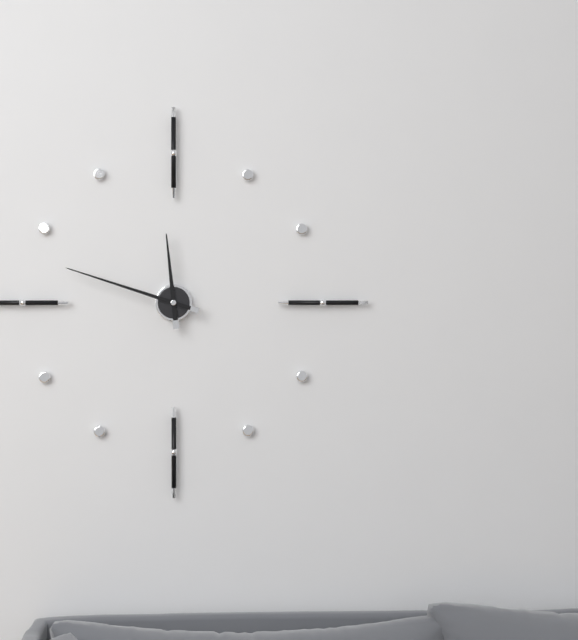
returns 11,48
